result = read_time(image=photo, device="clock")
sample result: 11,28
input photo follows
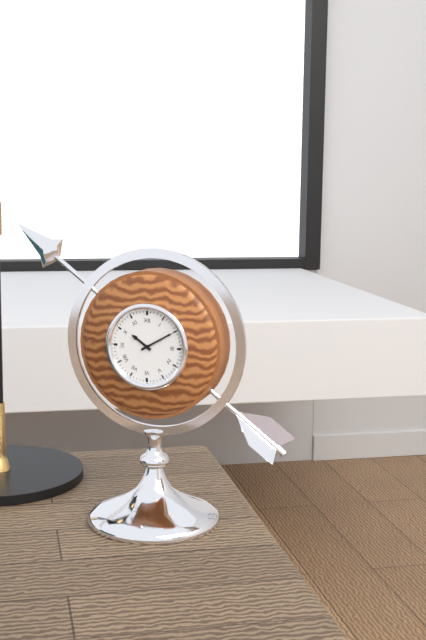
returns 10,10
